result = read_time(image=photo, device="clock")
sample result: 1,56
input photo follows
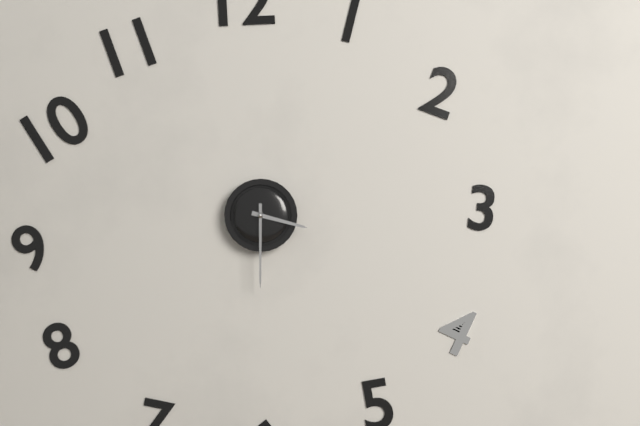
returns 3,30
